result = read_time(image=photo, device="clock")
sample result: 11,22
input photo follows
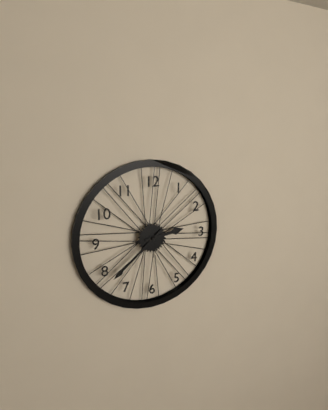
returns 2,38
